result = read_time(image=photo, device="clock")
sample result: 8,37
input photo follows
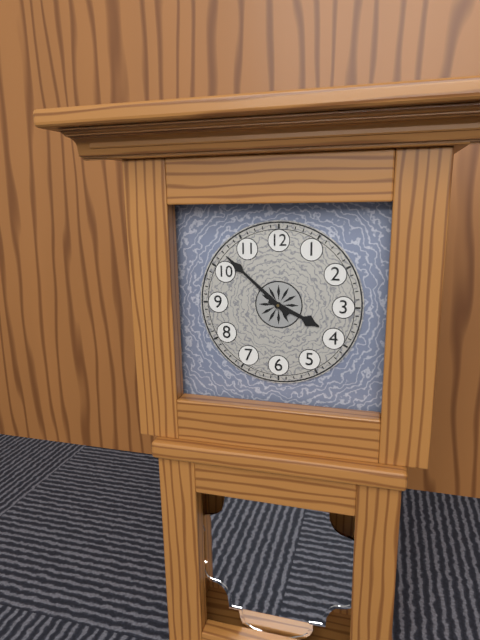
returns 3,52
